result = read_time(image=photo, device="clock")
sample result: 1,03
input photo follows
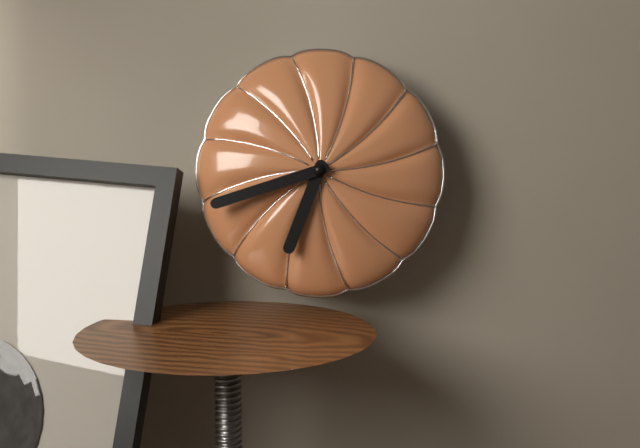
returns 6,42
